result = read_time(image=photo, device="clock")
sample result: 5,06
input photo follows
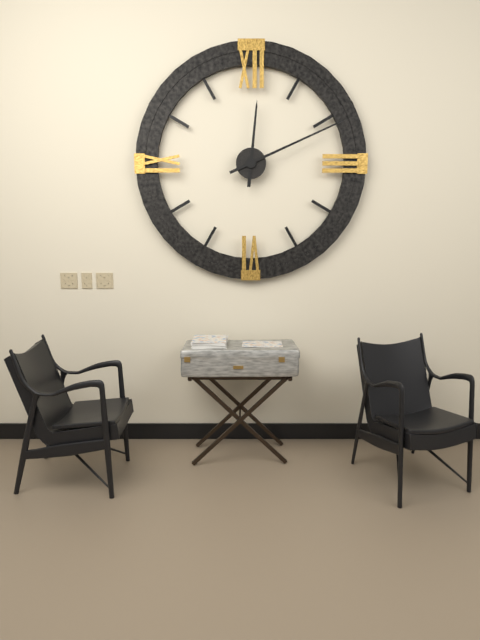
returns 12,11
